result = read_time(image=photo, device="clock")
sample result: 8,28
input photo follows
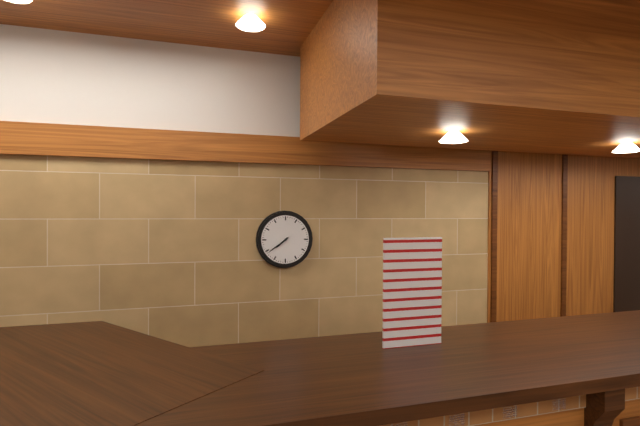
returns 7,39
